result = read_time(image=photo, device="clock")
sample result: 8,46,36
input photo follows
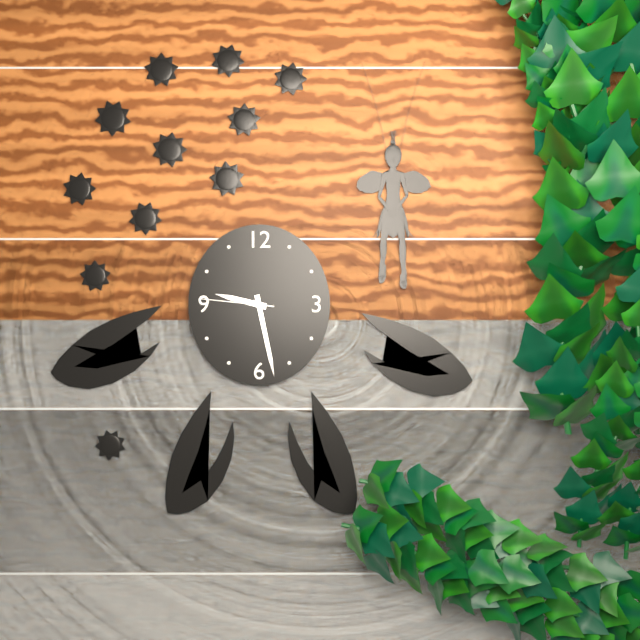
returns 9,28,46
